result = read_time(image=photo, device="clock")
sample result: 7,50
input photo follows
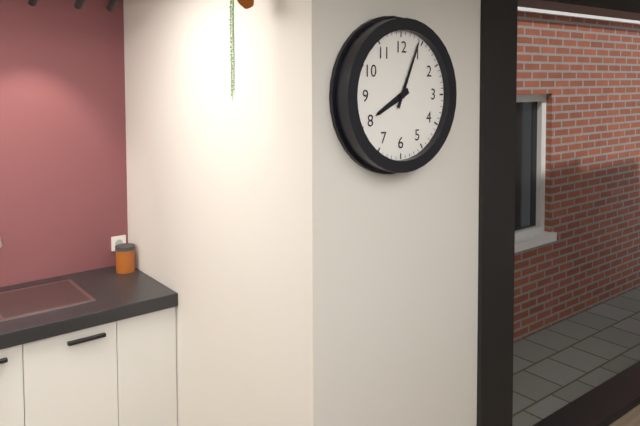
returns 8,04
